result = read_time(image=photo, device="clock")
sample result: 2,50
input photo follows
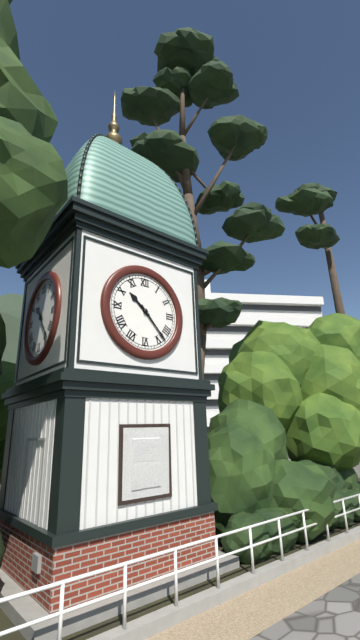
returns 10,23
